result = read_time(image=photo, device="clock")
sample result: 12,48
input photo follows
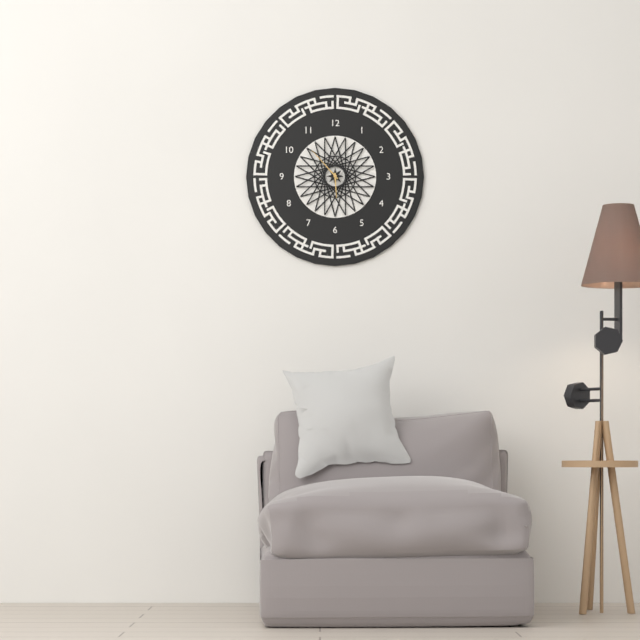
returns 5,53
